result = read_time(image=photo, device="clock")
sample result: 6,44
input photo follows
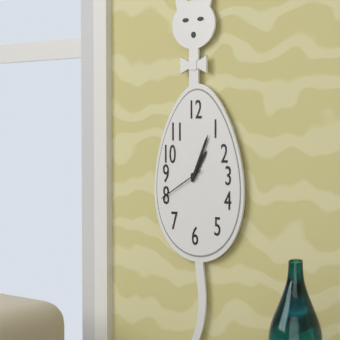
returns 1,04
